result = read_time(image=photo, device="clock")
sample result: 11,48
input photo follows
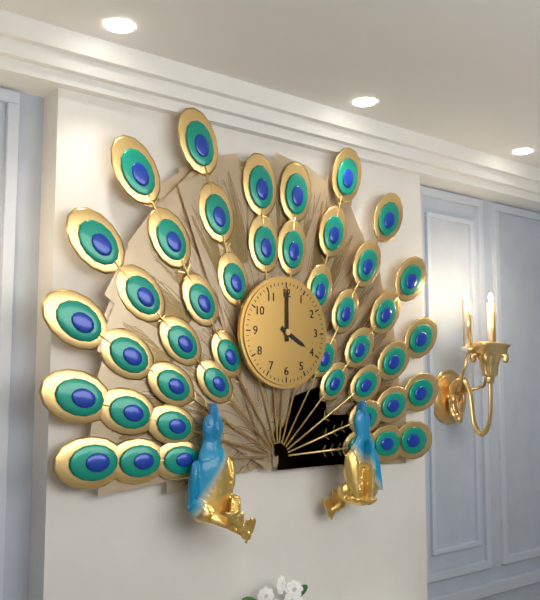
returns 4,00
